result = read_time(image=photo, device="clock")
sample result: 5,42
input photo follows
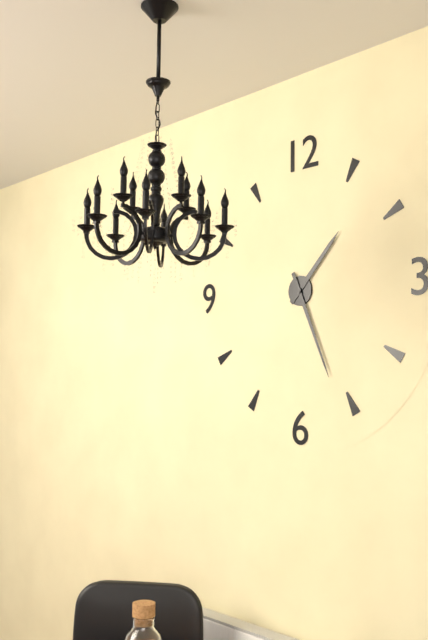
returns 1,26
